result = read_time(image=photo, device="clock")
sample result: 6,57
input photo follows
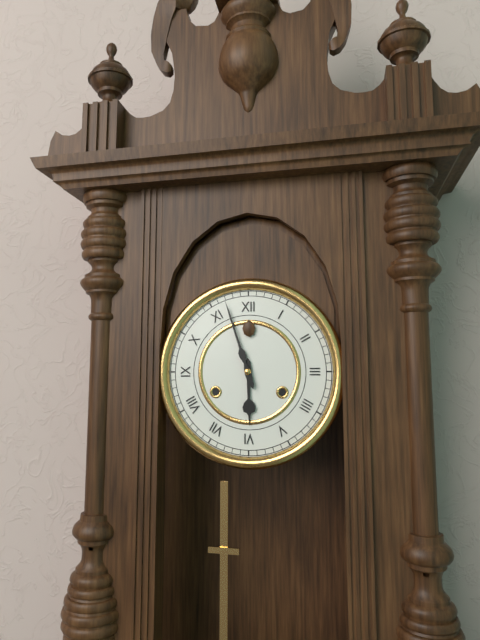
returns 5,57
